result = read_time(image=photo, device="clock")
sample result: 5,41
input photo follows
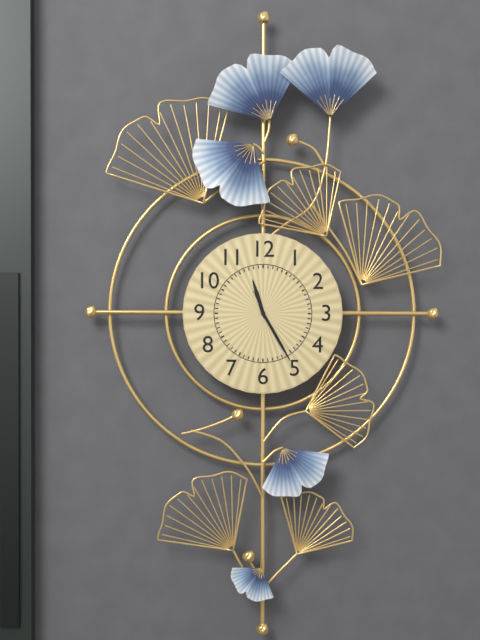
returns 11,25
